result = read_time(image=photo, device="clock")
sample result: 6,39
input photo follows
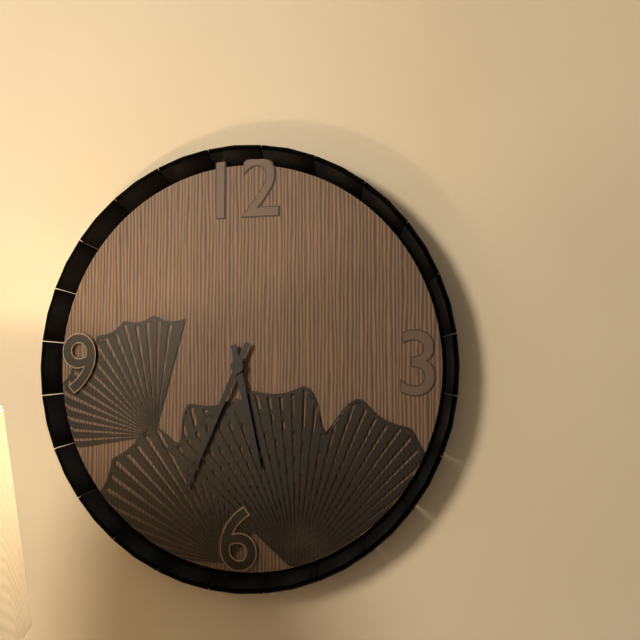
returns 5,34
